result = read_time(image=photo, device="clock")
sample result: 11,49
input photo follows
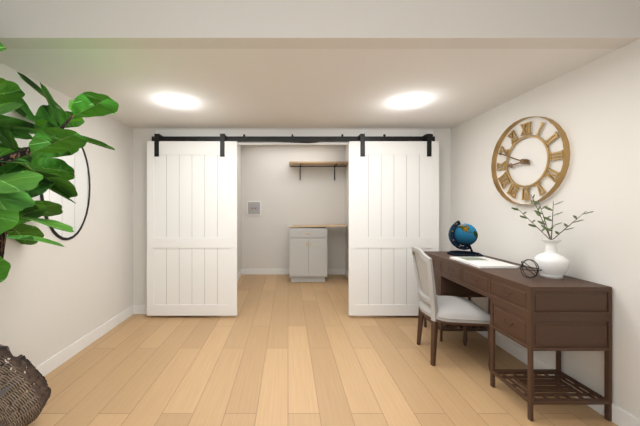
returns 8,49
